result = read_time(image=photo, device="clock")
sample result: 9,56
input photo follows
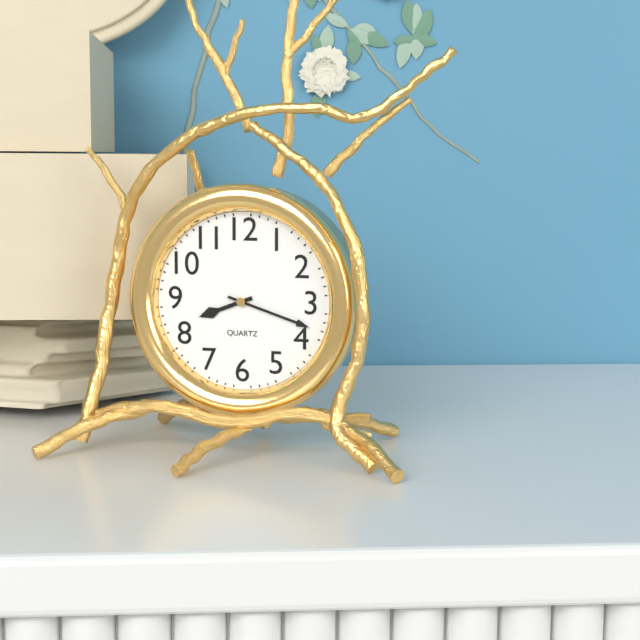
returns 8,18
